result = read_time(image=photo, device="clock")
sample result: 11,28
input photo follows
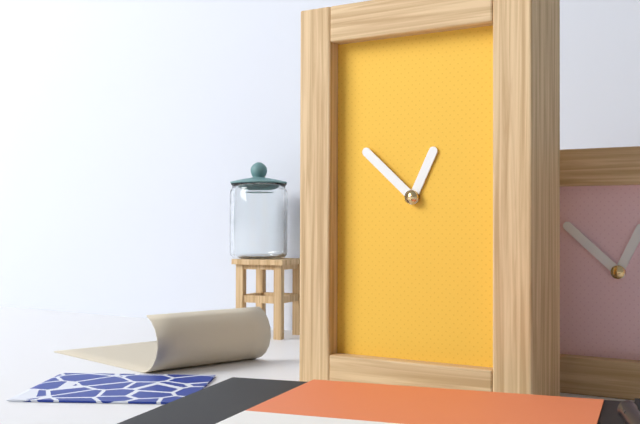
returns 12,52
